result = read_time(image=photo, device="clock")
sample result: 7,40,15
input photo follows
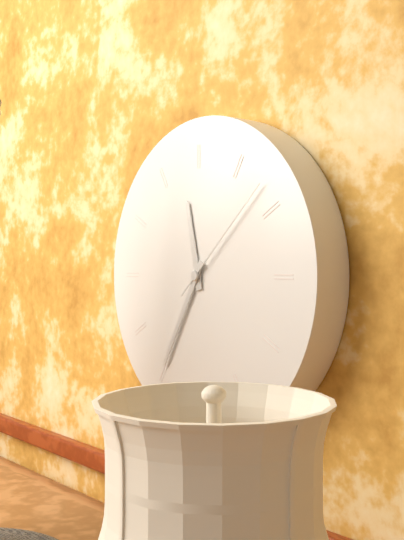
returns 11,35,08
